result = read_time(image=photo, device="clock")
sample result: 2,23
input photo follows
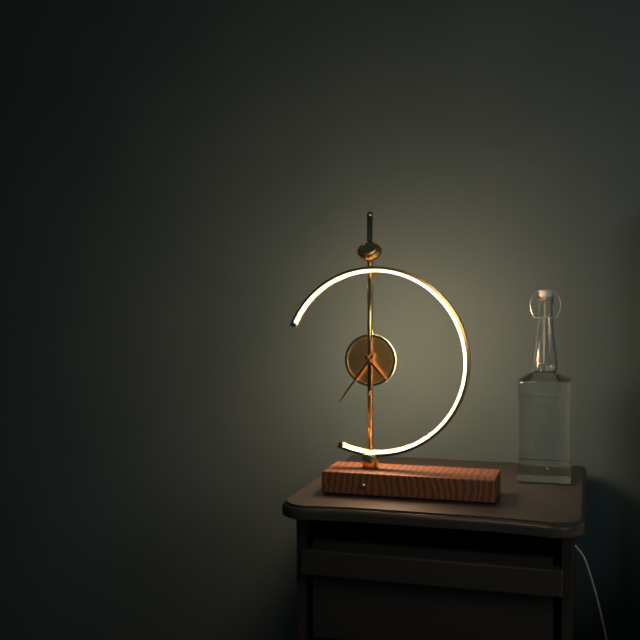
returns 4,36
